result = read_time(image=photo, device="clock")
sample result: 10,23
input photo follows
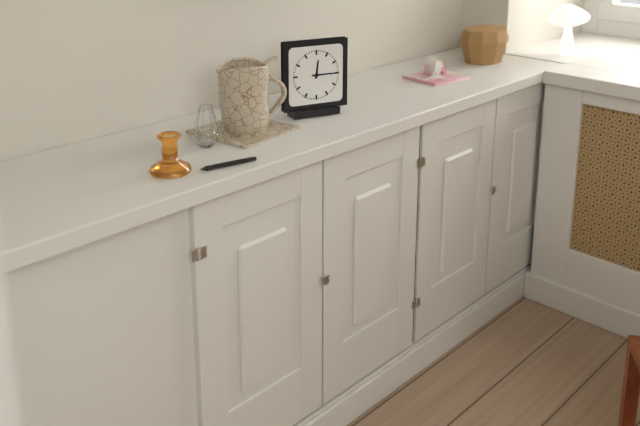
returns 12,15
